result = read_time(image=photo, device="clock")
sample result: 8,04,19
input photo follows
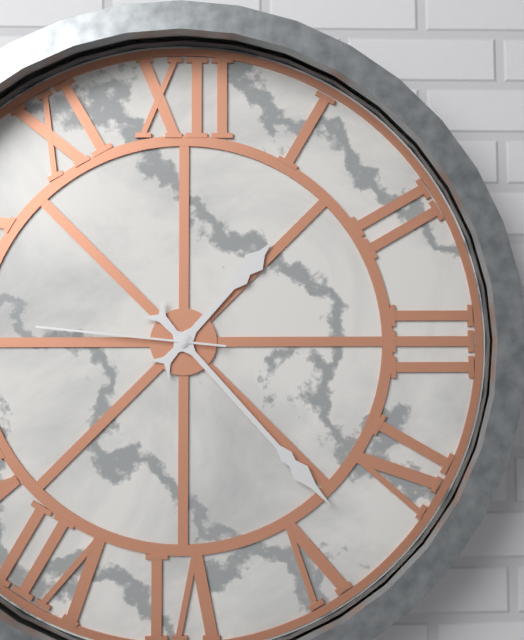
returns 1,23,46
